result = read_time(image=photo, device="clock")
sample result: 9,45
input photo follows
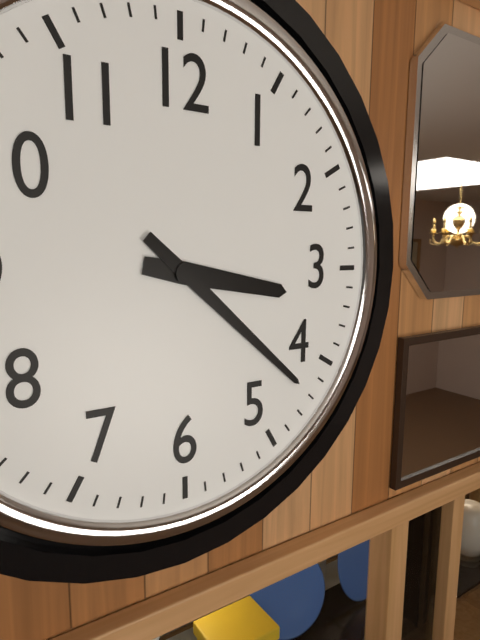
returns 3,22
